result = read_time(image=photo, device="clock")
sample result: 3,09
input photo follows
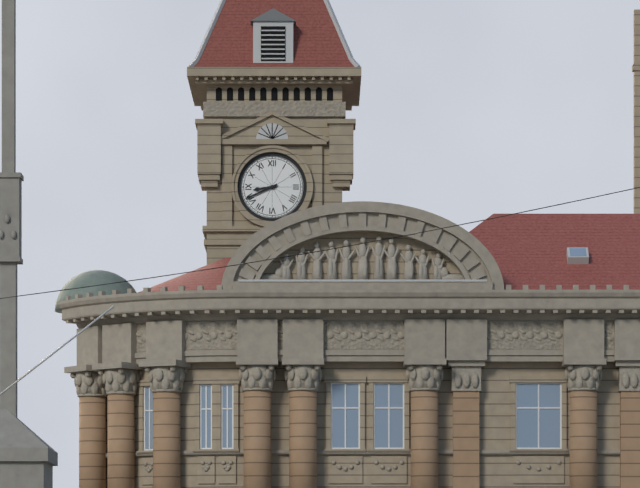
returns 8,41
